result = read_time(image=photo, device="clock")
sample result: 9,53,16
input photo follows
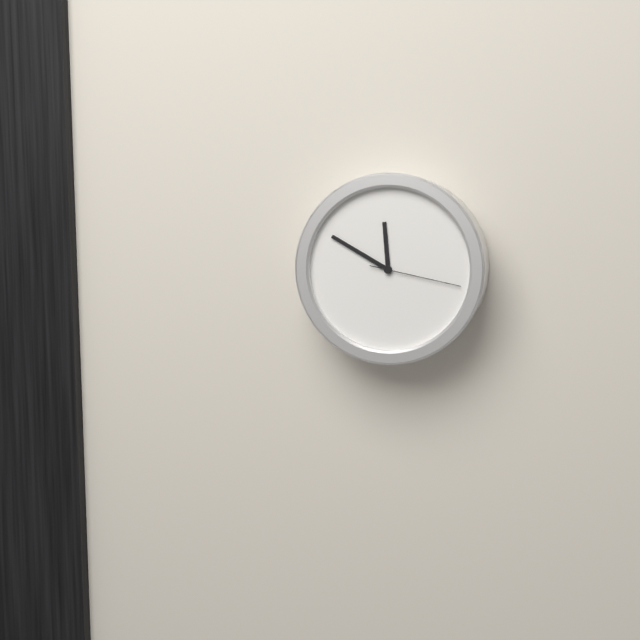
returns 11,50,17
